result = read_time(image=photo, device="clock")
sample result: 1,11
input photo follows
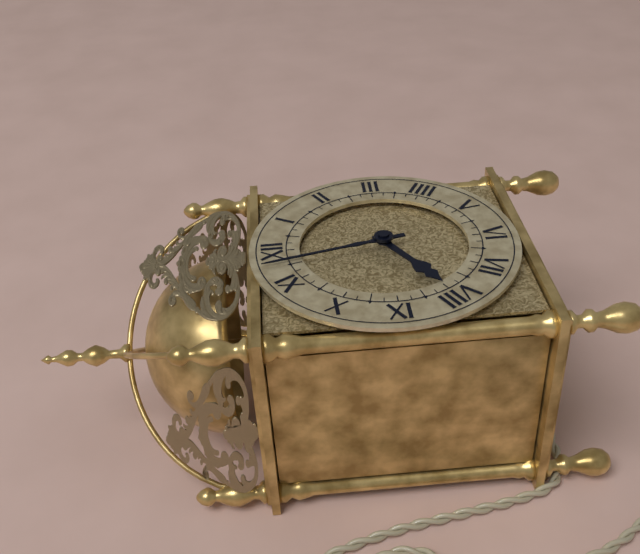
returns 7,58
